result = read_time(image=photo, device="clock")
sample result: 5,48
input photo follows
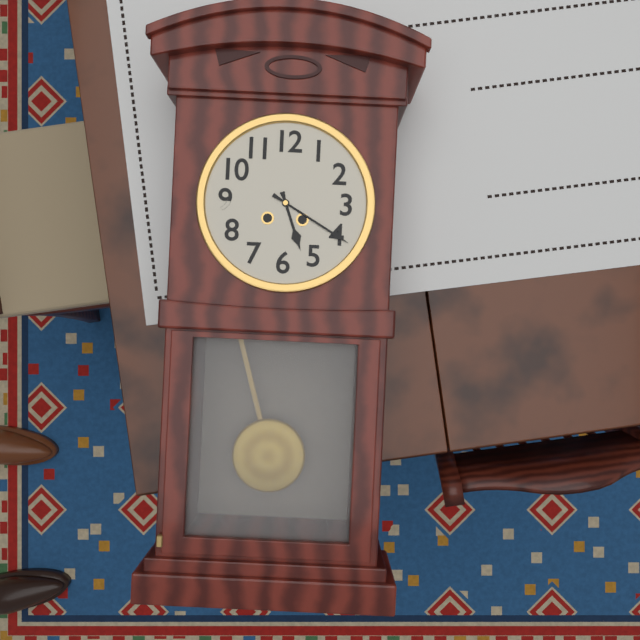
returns 5,20
